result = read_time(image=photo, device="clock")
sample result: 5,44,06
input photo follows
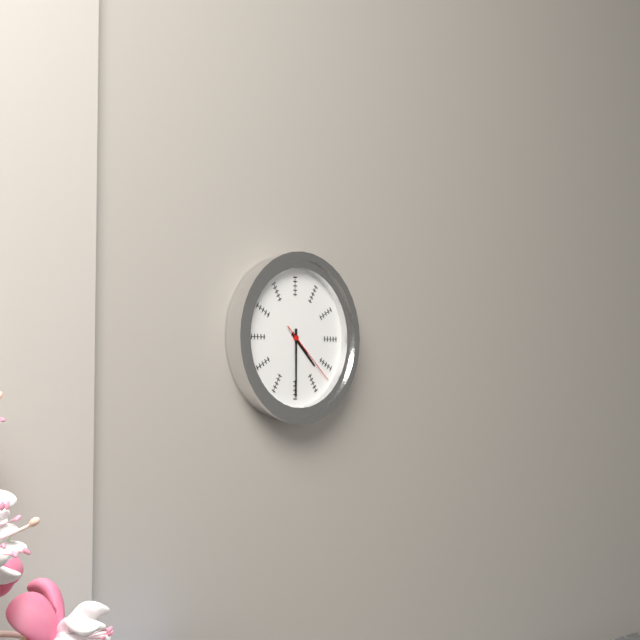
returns 4,30,22
